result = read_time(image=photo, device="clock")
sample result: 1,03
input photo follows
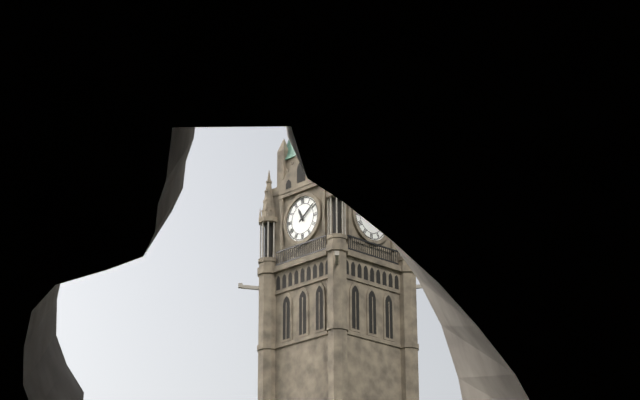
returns 11,09
